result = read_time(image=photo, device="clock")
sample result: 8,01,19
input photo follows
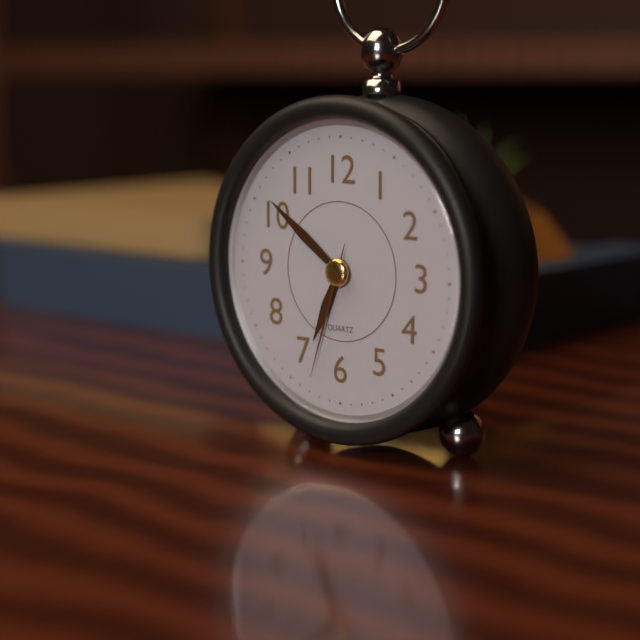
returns 6,51,33
